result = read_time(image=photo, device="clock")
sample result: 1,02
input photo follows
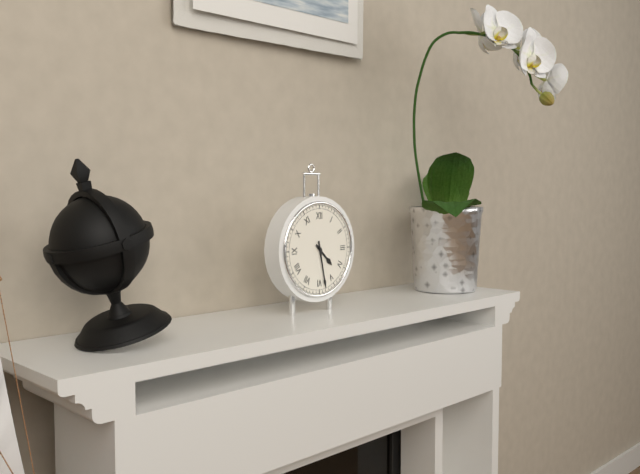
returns 4,28
